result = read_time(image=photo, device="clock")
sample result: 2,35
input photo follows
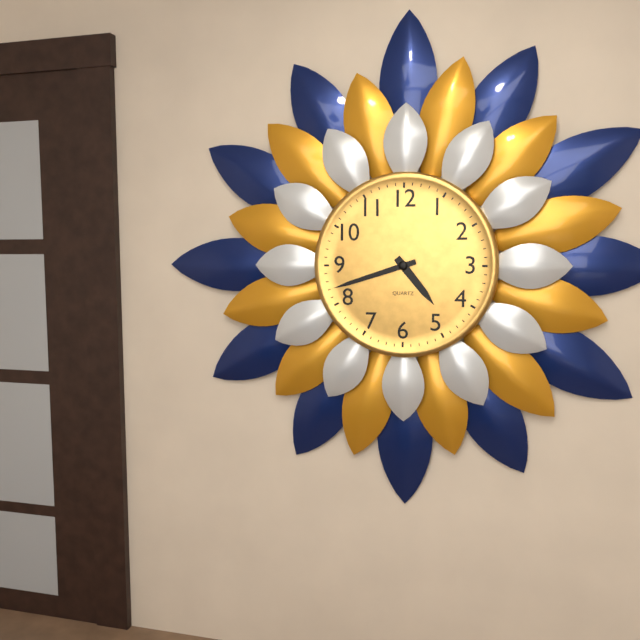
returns 4,42
